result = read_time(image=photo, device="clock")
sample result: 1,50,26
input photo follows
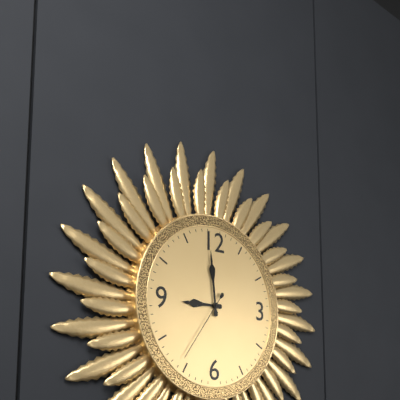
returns 8,59,36
